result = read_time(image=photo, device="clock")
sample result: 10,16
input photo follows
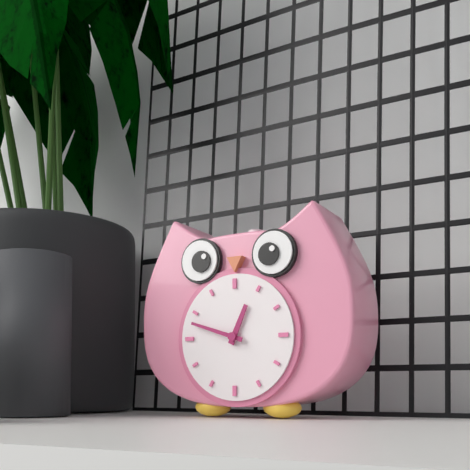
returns 12,48
